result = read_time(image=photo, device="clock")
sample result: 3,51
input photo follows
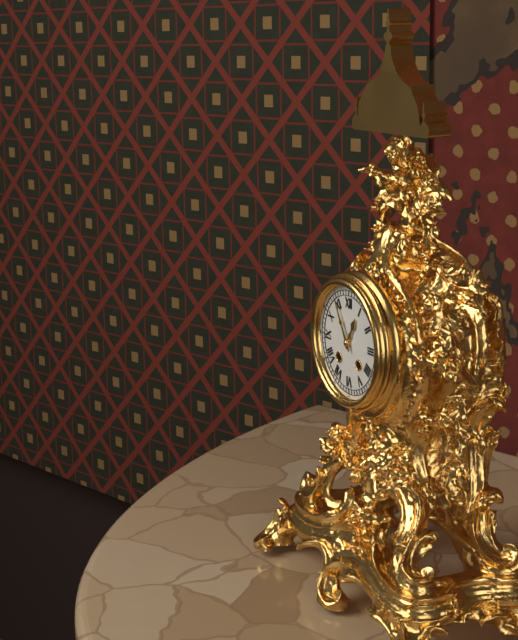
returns 12,55
